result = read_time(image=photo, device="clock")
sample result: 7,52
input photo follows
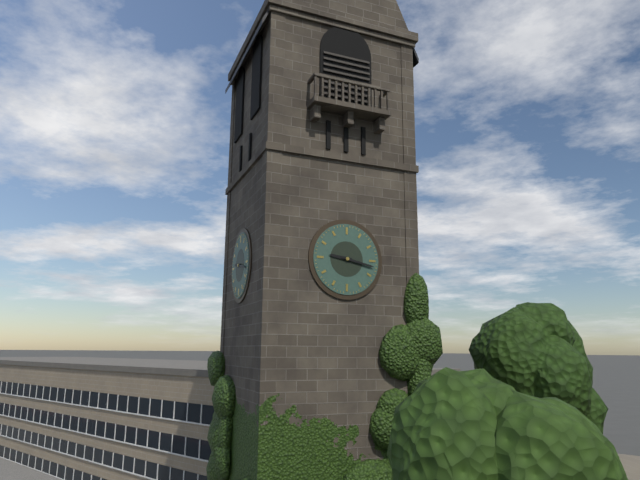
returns 9,17
